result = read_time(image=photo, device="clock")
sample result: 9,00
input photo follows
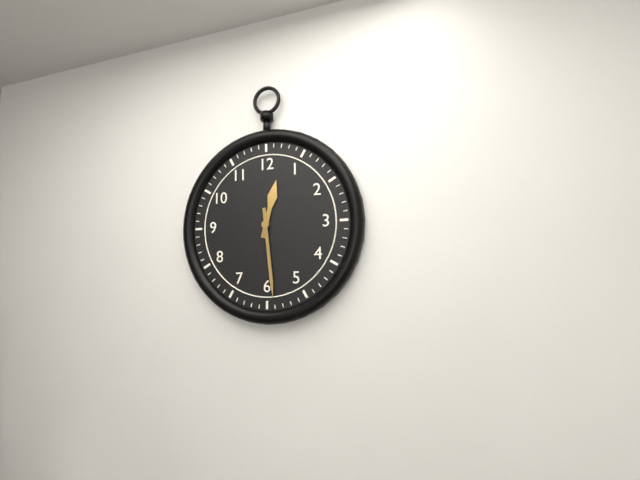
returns 12,29
